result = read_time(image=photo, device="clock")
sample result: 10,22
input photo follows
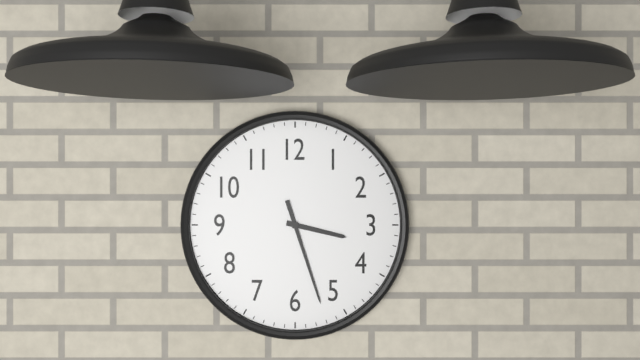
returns 3,27
